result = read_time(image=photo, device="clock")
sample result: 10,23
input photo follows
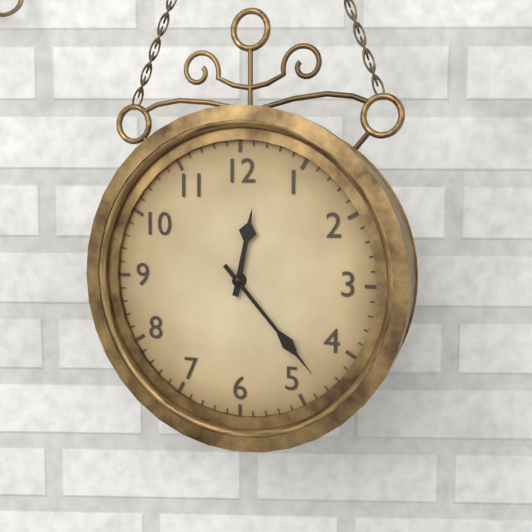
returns 12,23
